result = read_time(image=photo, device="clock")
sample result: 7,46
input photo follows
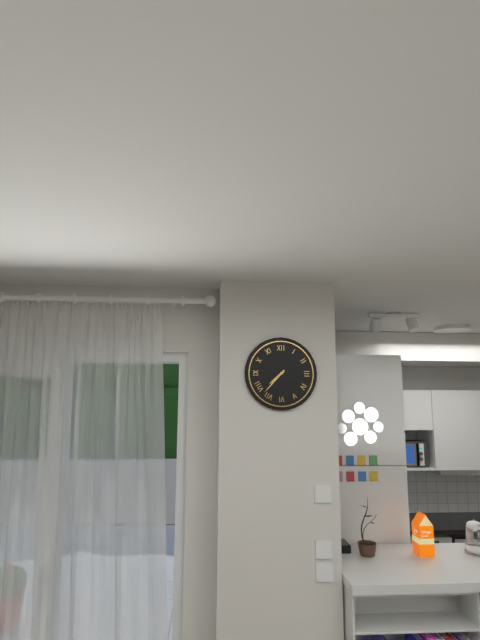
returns 7,37
